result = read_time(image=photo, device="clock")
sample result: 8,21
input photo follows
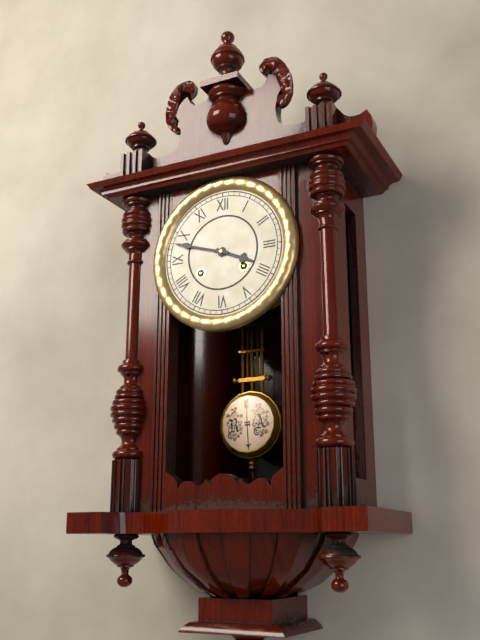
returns 3,48
